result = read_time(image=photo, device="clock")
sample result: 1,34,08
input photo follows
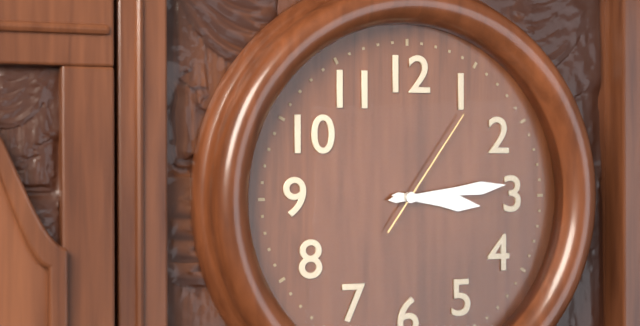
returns 3,14,06
